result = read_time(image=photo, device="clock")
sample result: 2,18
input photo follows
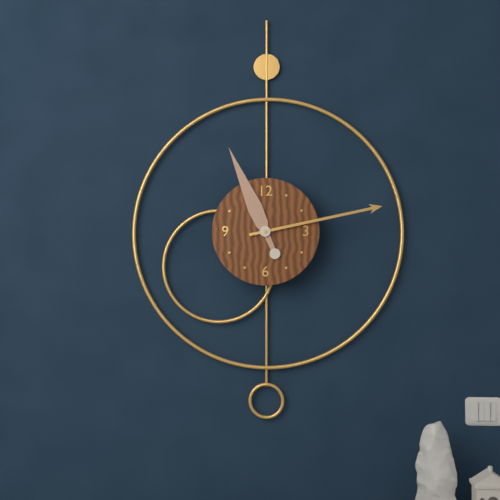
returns 11,13
